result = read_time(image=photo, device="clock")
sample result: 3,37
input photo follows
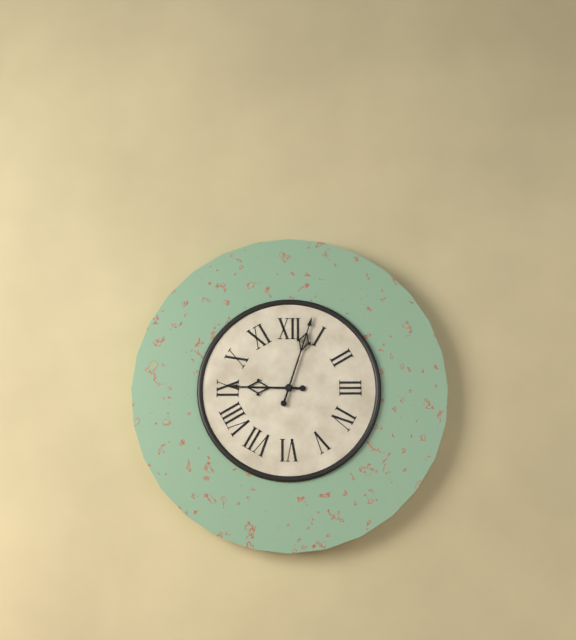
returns 9,03
